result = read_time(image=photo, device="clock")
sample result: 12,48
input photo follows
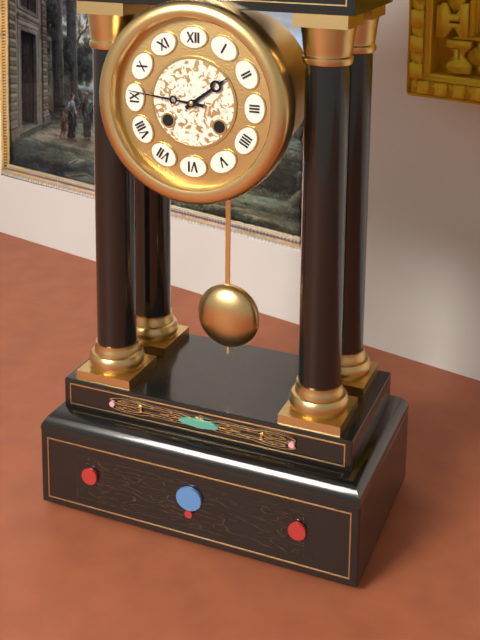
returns 1,46
